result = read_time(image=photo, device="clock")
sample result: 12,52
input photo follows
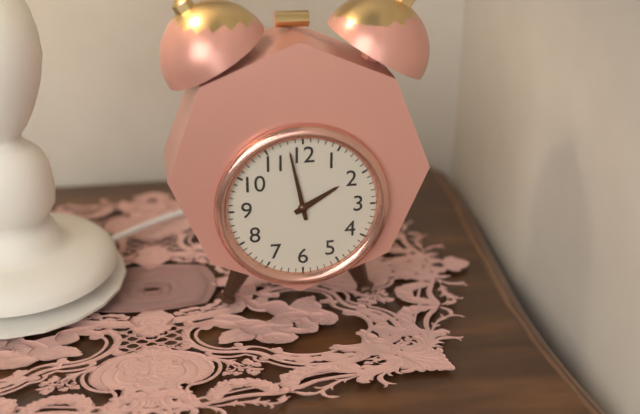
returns 1,58
